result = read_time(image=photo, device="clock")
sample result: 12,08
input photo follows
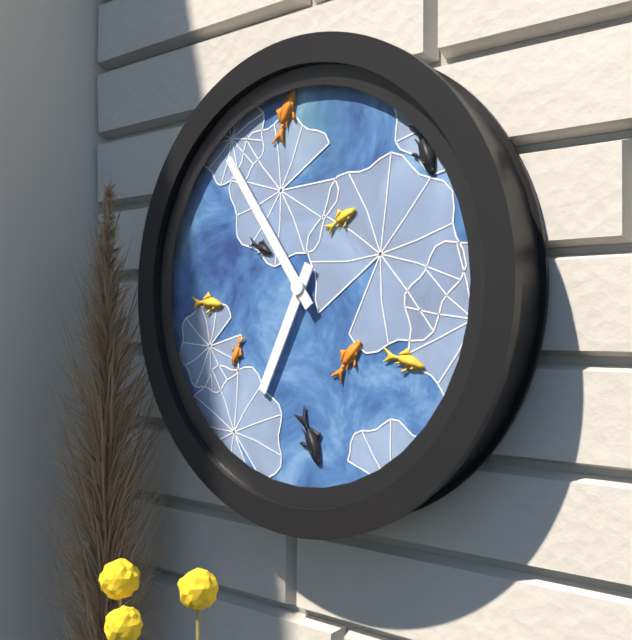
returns 6,54
